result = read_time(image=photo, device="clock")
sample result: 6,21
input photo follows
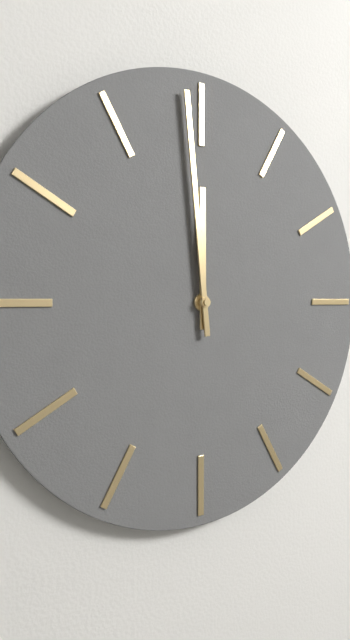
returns 11,59
